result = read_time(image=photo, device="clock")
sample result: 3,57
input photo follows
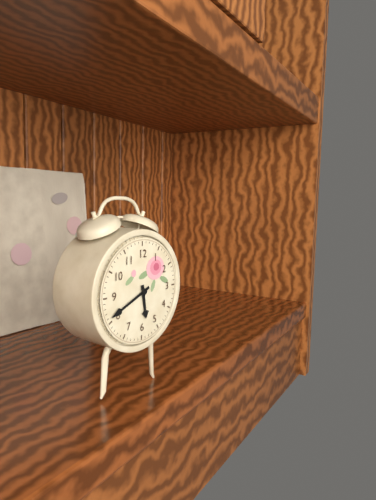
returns 5,41
